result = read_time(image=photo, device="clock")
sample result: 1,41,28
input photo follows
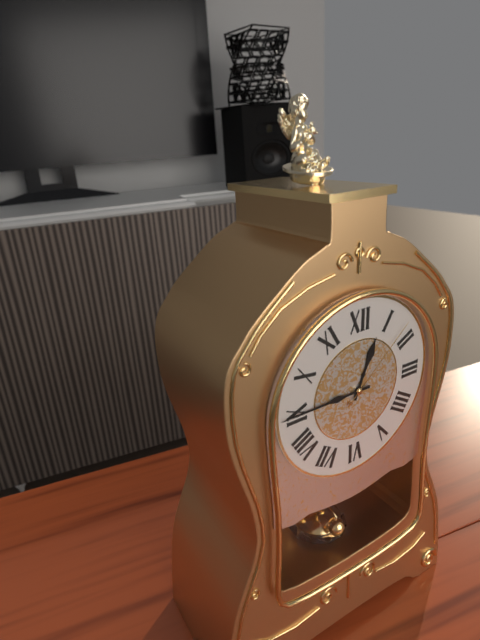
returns 12,45,08
